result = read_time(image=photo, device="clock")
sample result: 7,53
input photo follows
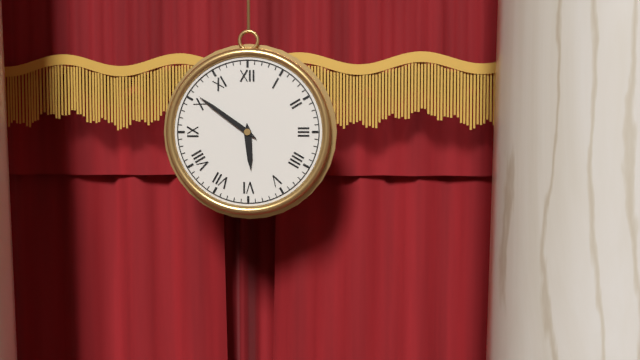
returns 5,51
